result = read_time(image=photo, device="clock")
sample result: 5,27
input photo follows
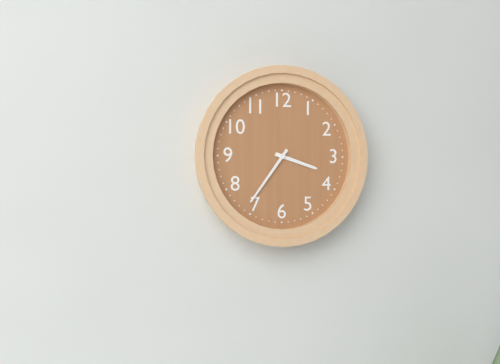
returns 3,36
